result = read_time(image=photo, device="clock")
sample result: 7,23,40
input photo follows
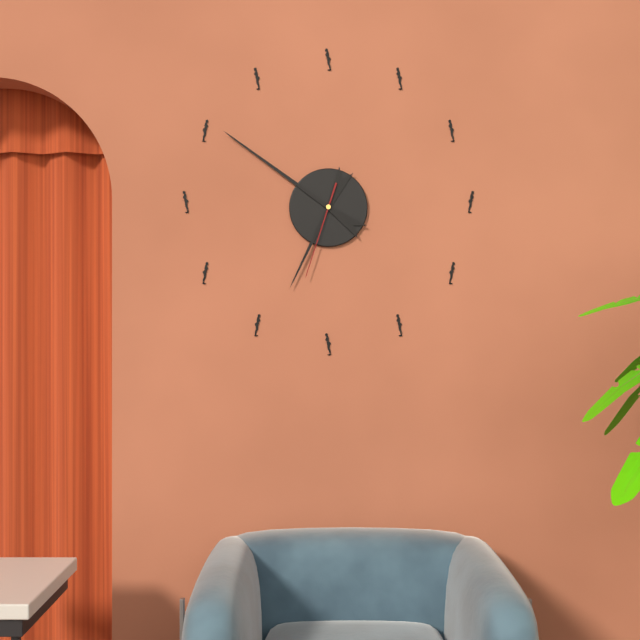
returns 6,51,33
